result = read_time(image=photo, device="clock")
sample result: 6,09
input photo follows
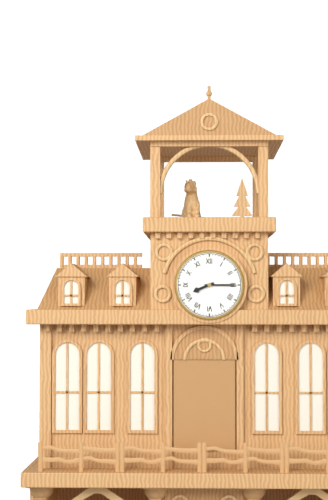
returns 8,15
